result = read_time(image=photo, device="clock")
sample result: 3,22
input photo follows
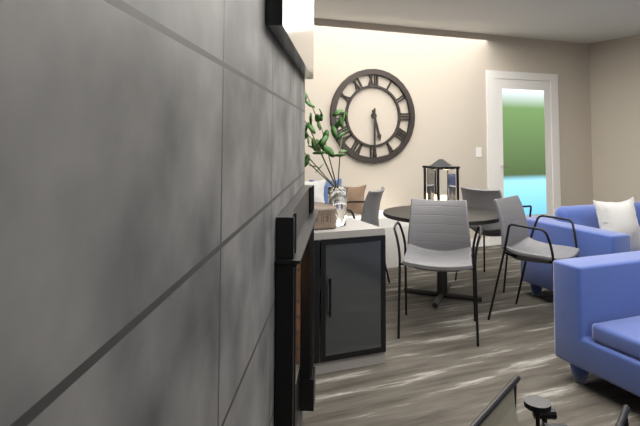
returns 5,30
